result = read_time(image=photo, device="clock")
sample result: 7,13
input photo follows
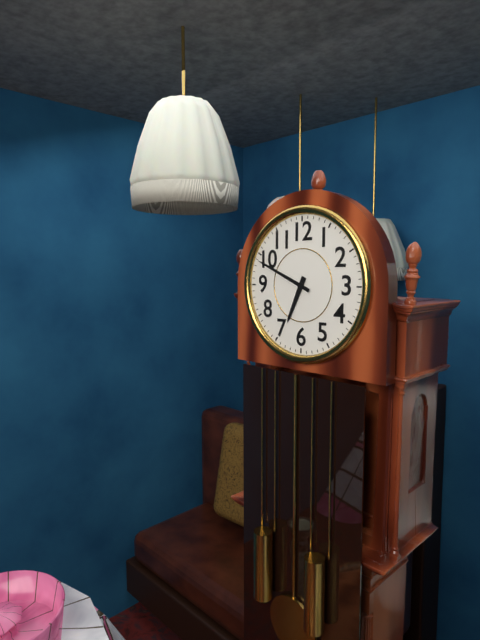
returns 6,49
